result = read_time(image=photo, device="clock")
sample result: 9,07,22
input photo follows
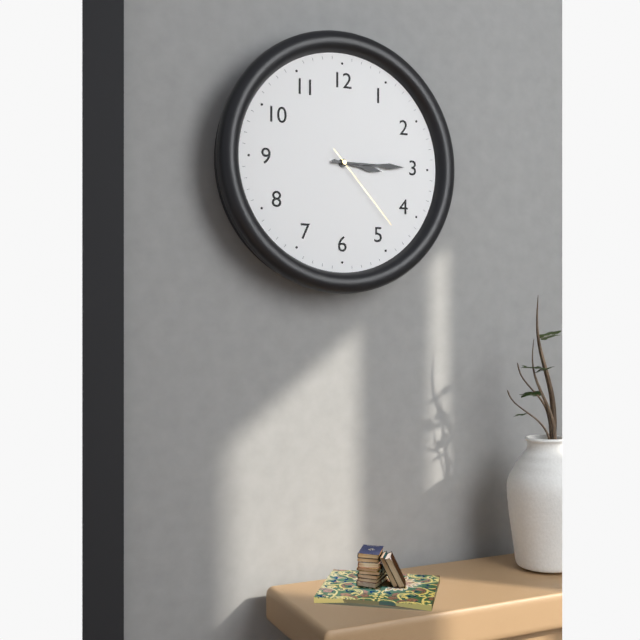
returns 3,15,23
